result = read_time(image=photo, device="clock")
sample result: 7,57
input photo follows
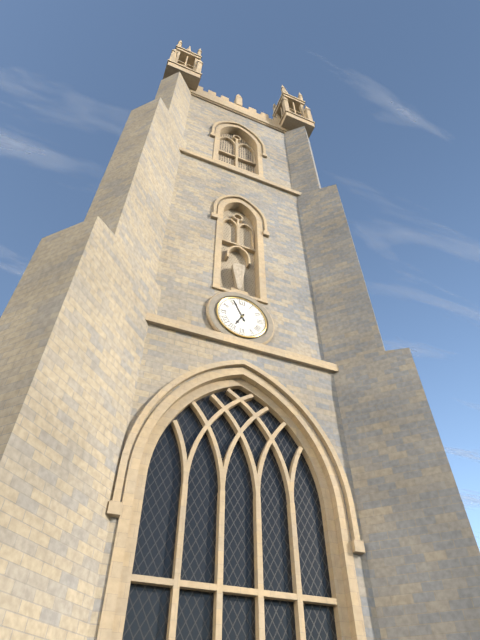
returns 6,56
